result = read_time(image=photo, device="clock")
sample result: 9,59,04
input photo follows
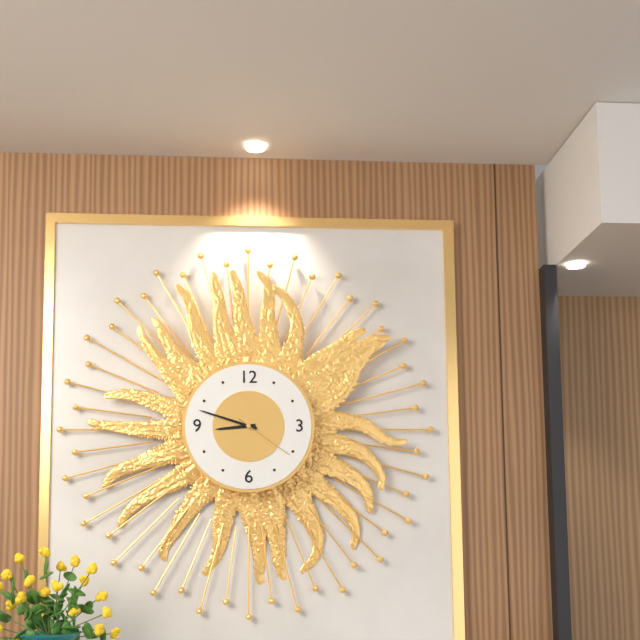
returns 8,48,21
